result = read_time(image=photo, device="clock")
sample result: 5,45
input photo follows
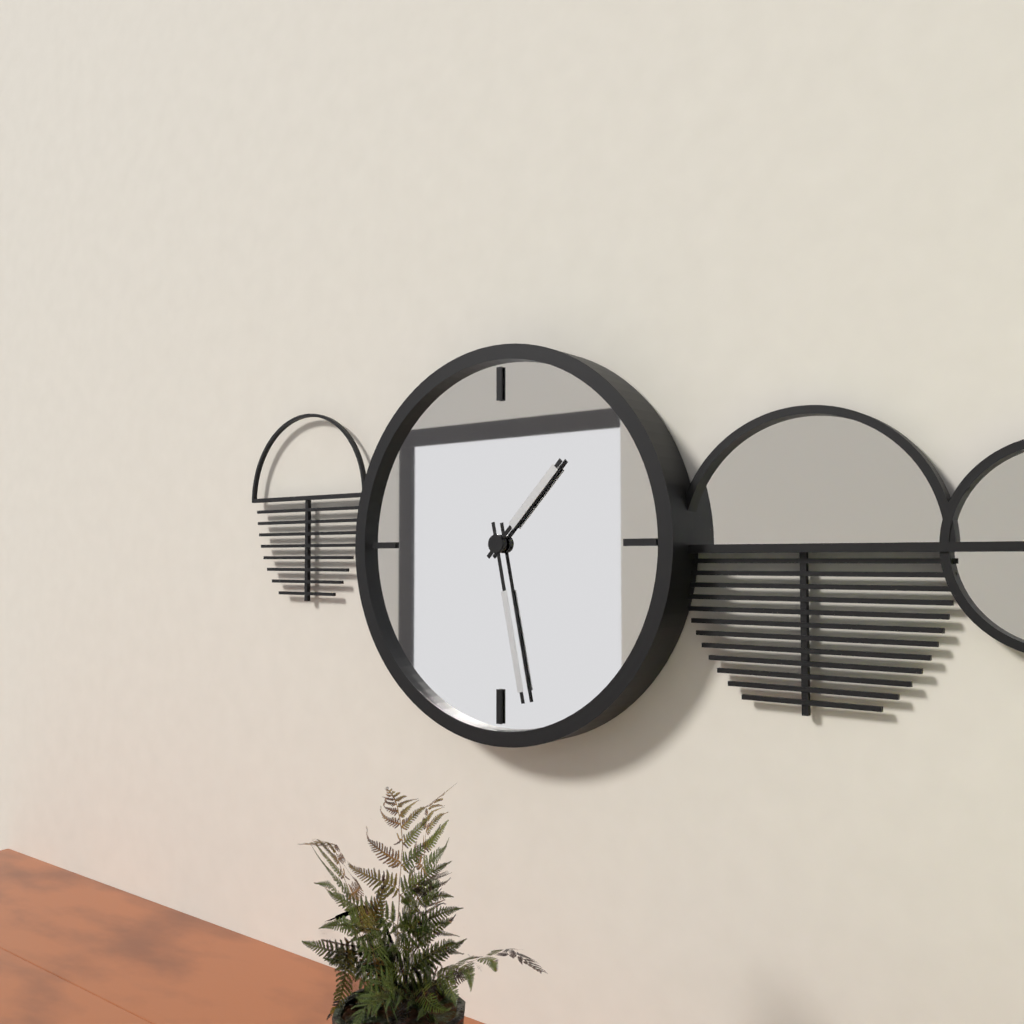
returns 1,28
